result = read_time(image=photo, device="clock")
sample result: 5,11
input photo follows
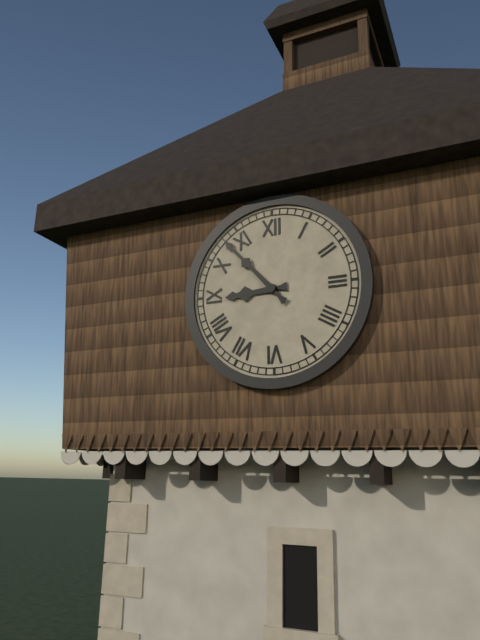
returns 8,53
